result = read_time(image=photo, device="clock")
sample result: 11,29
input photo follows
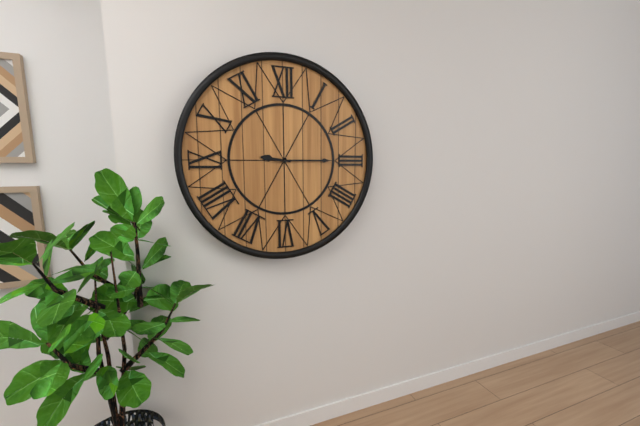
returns 9,15
